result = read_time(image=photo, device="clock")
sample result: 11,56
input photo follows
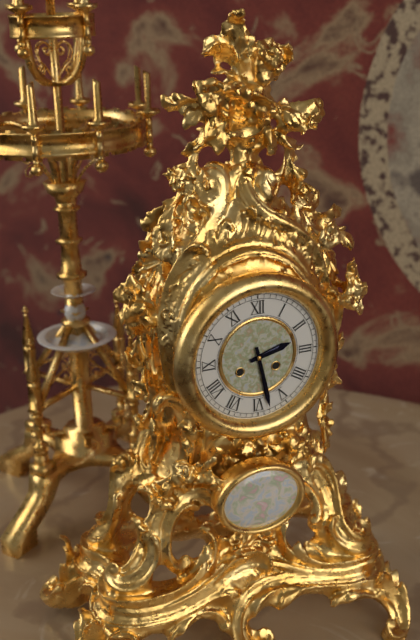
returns 2,28
